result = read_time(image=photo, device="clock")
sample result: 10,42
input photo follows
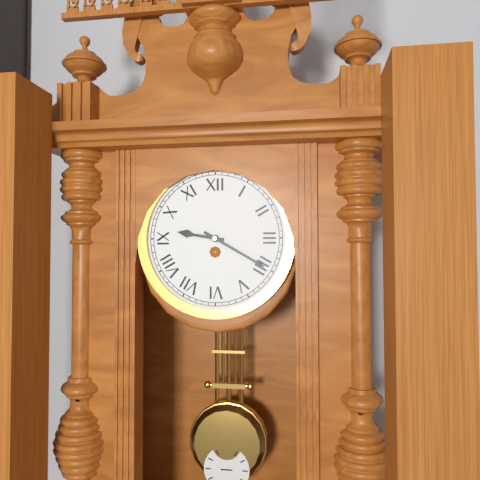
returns 9,20
